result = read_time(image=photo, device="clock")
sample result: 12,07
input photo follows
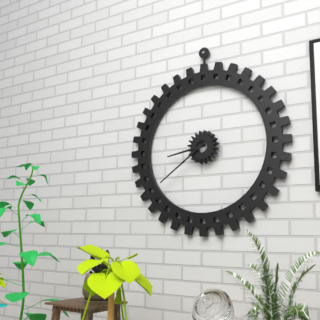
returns 8,39
